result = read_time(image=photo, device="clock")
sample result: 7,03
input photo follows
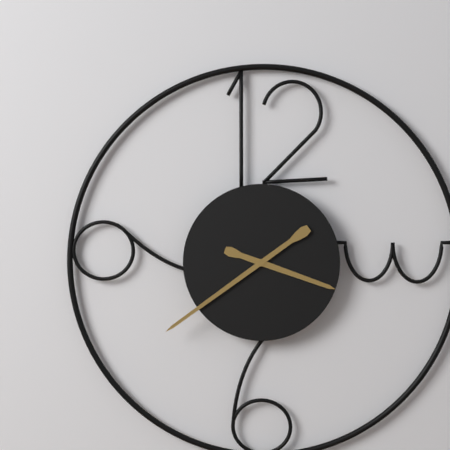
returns 3,39
